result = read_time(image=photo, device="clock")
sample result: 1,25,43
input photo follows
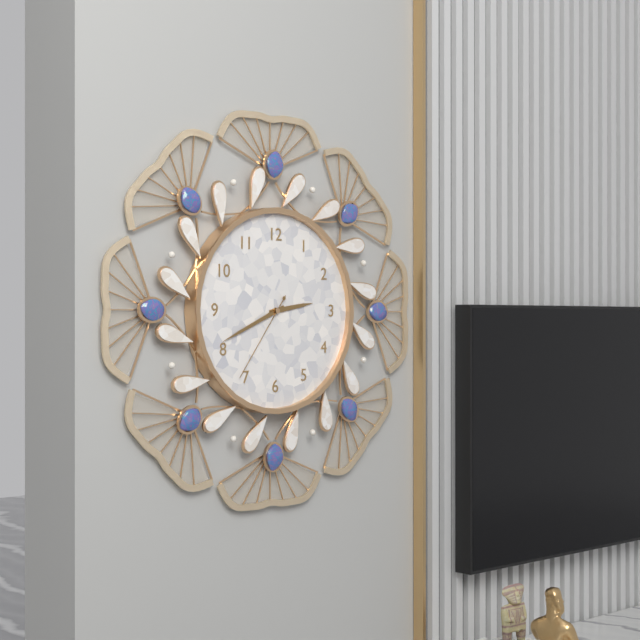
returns 2,41,36
